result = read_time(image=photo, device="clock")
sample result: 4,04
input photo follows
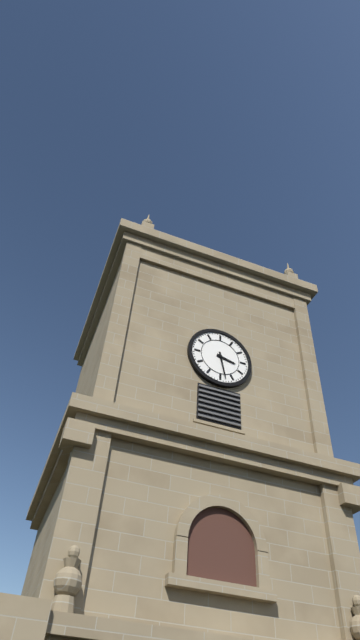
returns 3,28
